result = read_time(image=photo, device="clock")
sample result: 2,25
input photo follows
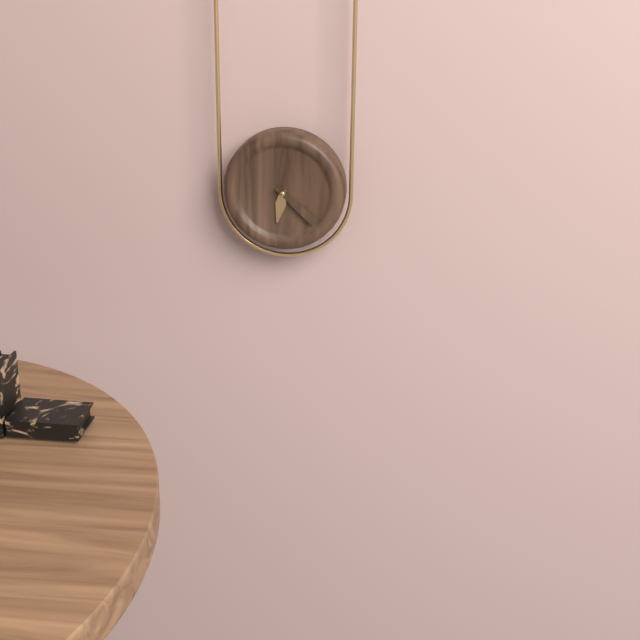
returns 6,22
